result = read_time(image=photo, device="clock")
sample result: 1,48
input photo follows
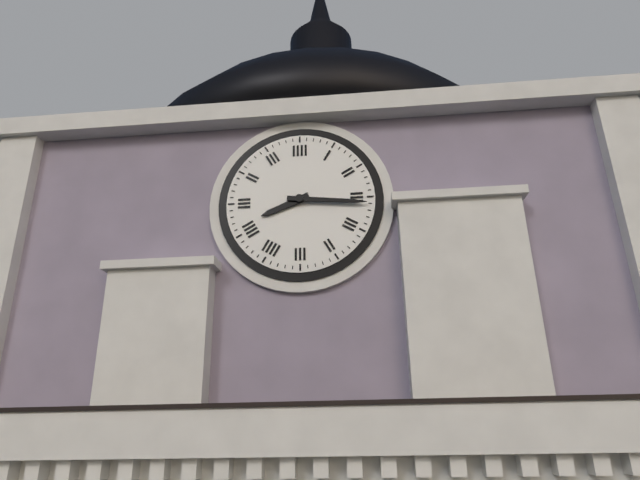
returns 8,16
